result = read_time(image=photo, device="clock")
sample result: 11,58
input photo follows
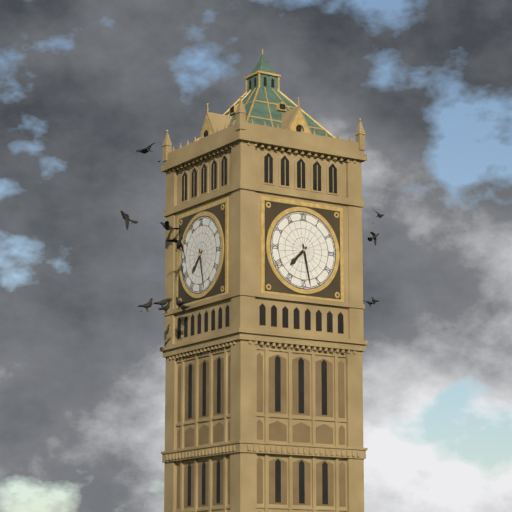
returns 7,28
